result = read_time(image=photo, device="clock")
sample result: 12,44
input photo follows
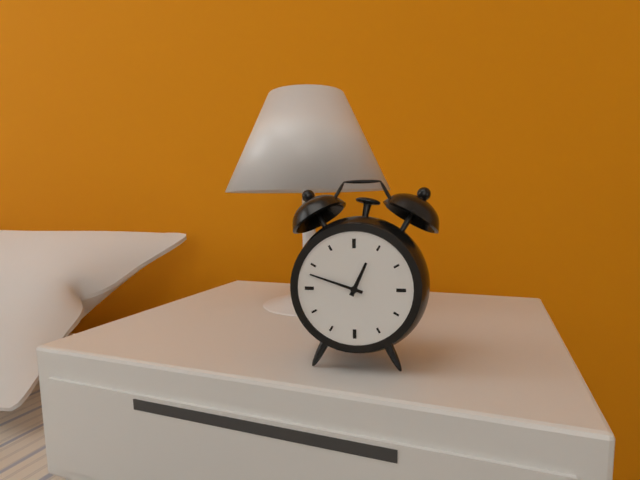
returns 12,48
